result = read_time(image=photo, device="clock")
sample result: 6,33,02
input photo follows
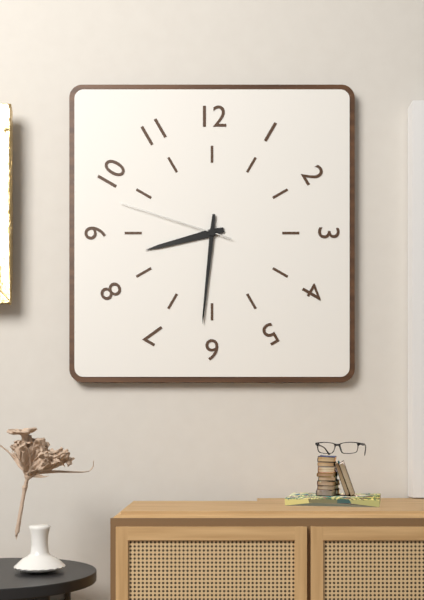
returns 8,31,48
